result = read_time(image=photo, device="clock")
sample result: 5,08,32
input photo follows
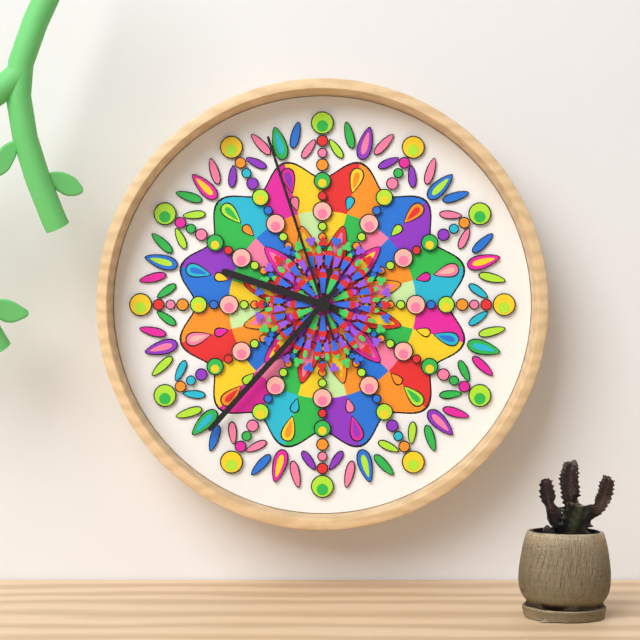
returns 9,37,57
